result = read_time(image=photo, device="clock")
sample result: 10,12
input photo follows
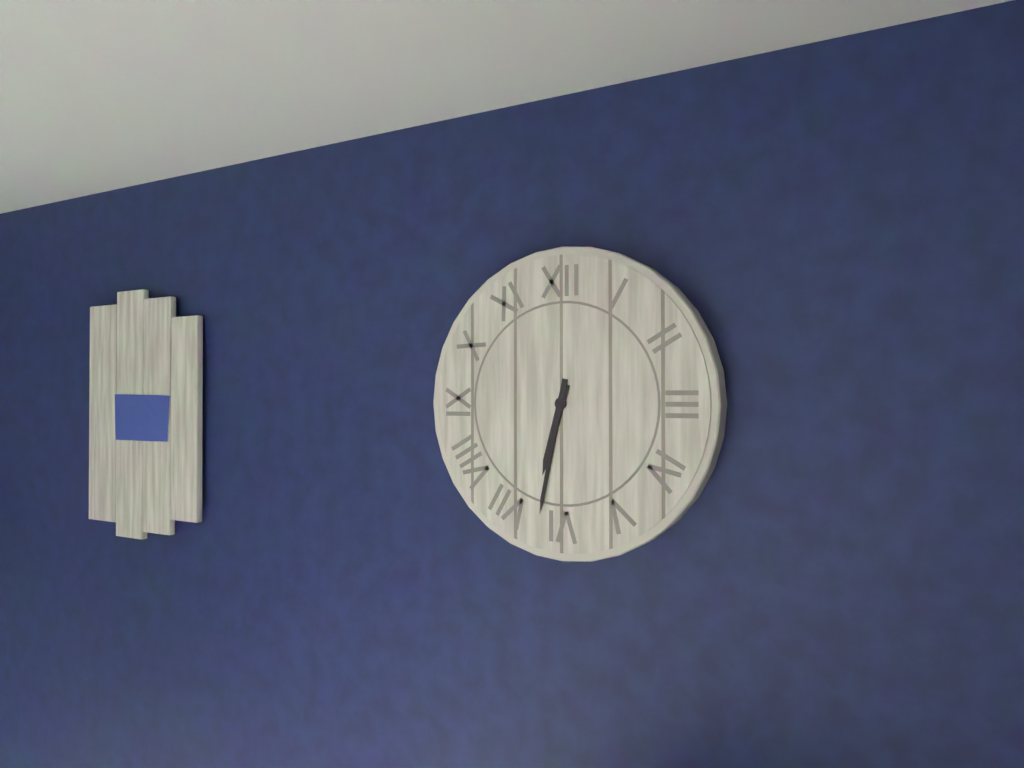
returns 6,32
